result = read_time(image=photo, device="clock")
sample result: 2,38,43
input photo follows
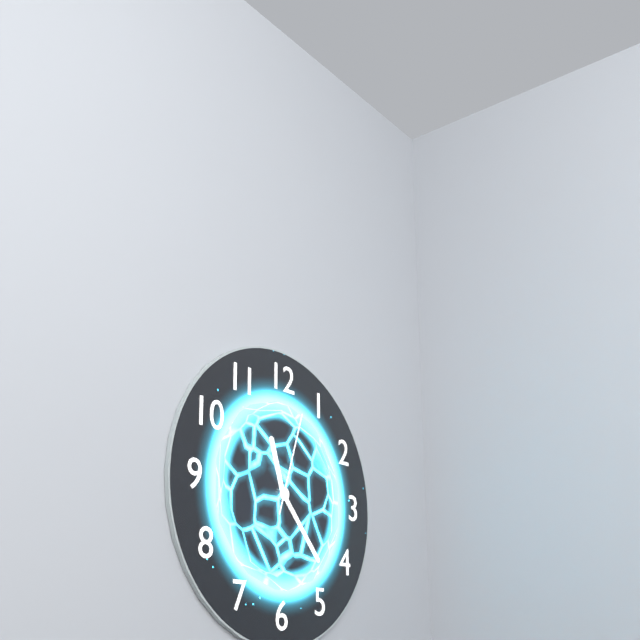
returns 11,23,03
